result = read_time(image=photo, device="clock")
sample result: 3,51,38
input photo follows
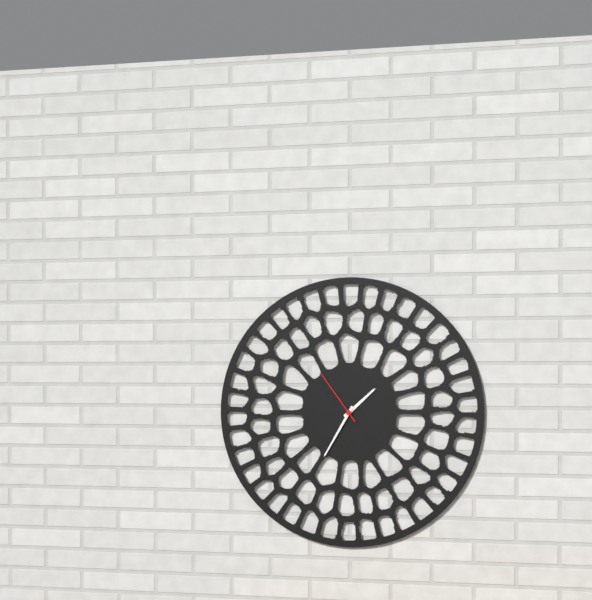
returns 1,35,54
